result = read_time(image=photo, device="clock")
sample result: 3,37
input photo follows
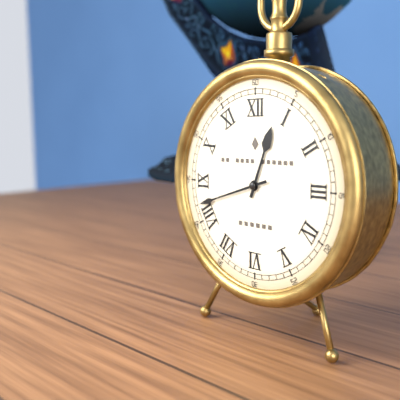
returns 12,42
